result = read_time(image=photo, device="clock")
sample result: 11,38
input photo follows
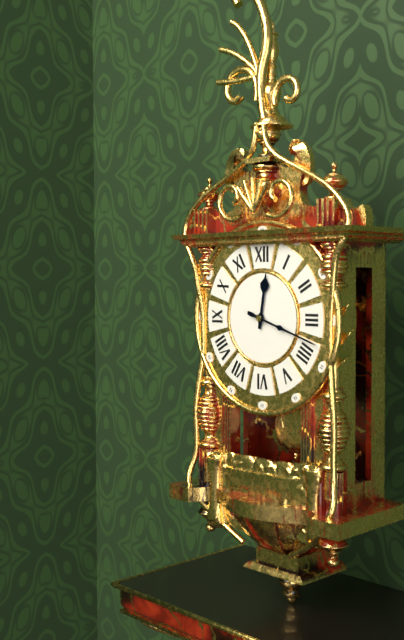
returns 12,18
